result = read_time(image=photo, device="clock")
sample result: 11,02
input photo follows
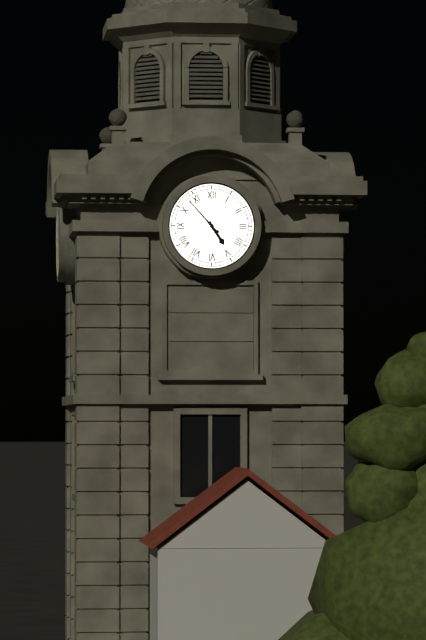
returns 4,53
